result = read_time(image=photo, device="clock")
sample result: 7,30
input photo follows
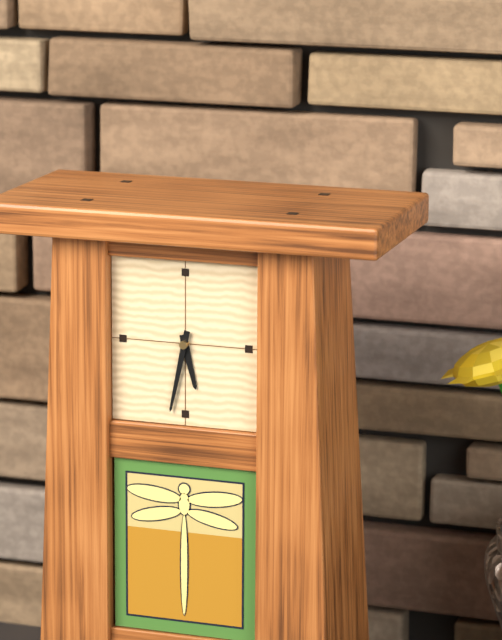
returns 5,32
